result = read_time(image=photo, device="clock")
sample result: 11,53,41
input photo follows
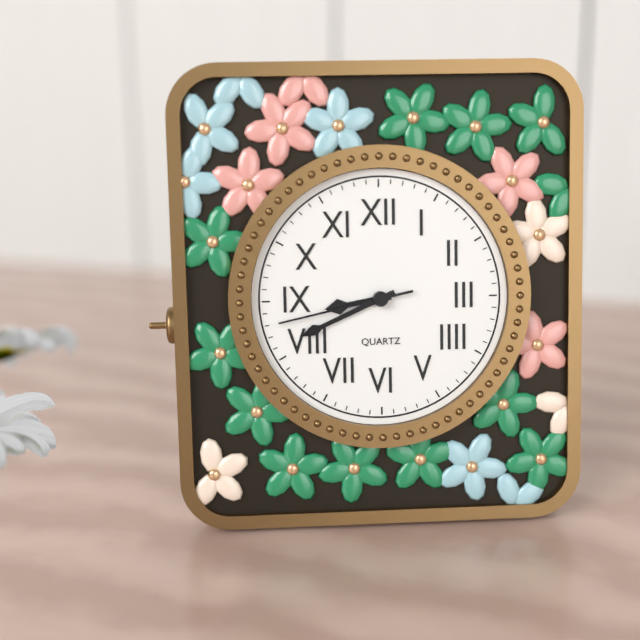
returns 8,41,43
